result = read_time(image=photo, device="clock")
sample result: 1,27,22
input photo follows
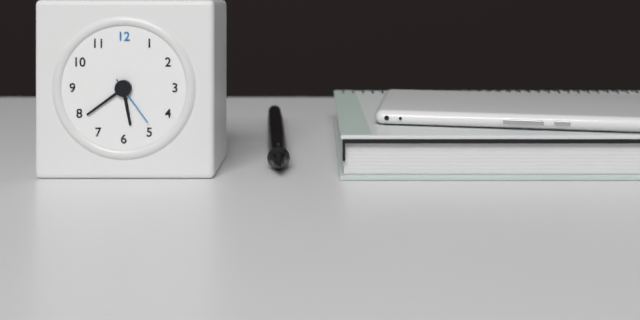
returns 5,39,24
